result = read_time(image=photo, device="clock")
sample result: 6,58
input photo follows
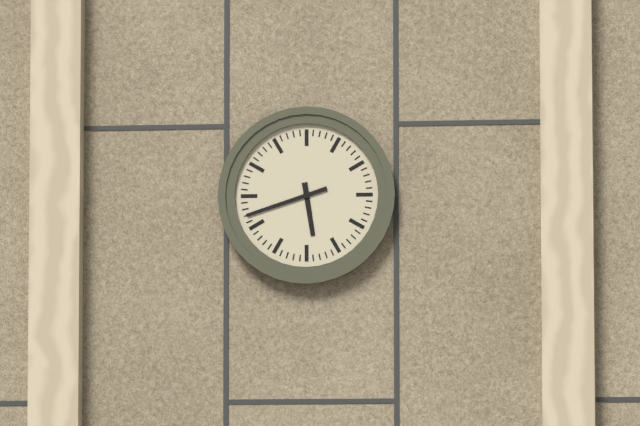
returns 5,42
